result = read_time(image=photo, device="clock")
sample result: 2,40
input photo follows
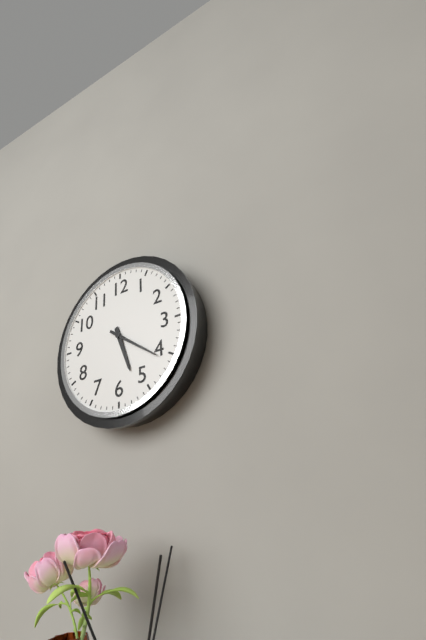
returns 5,21
